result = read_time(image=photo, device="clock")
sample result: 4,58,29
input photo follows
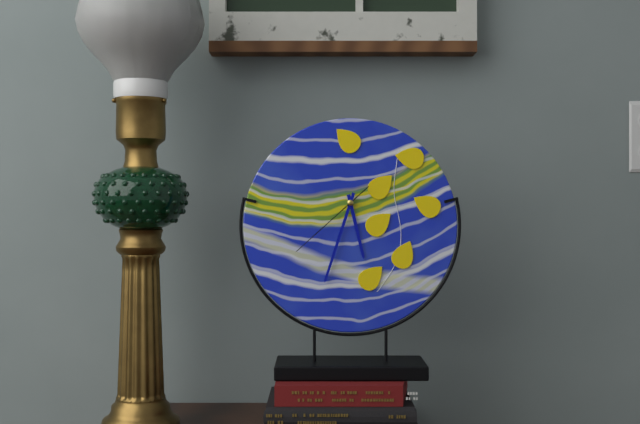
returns 5,33,38
